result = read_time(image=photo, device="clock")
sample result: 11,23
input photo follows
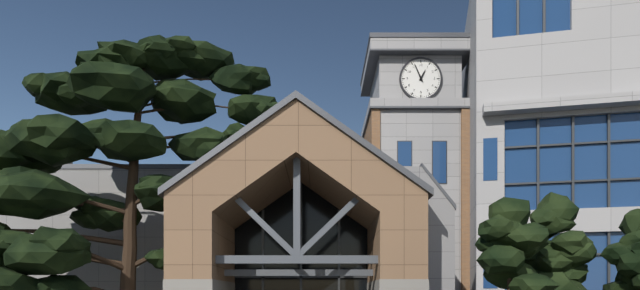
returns 12,56
